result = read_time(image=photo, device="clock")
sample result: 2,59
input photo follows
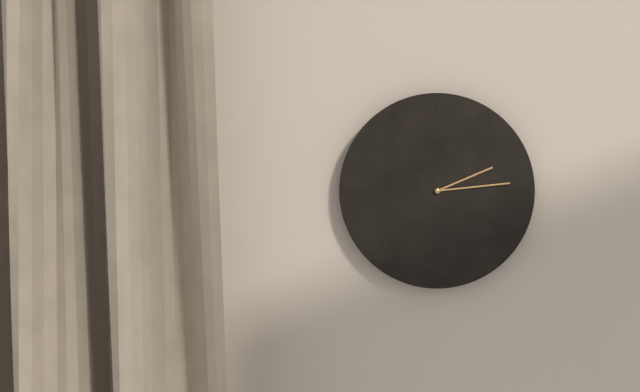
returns 2,14
